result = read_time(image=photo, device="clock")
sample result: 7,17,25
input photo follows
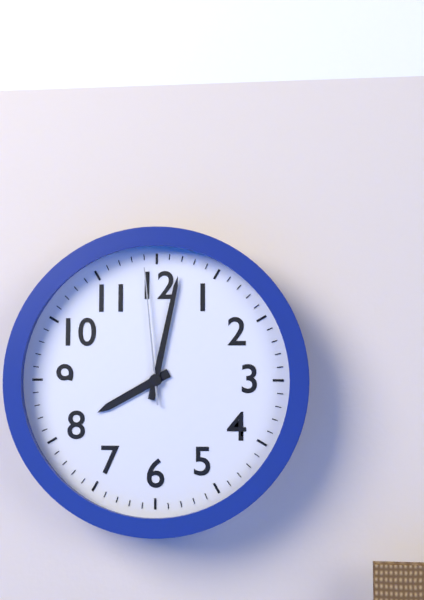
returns 8,02,59
